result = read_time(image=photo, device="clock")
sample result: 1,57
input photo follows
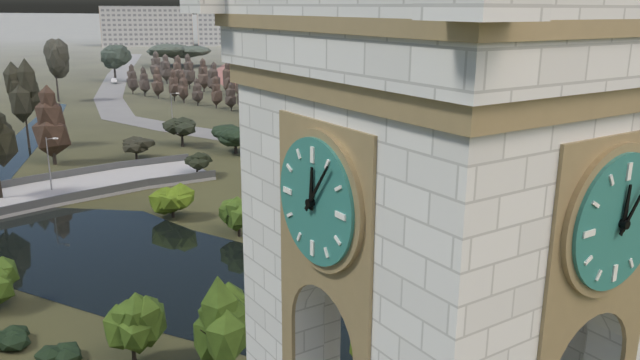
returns 12,06
